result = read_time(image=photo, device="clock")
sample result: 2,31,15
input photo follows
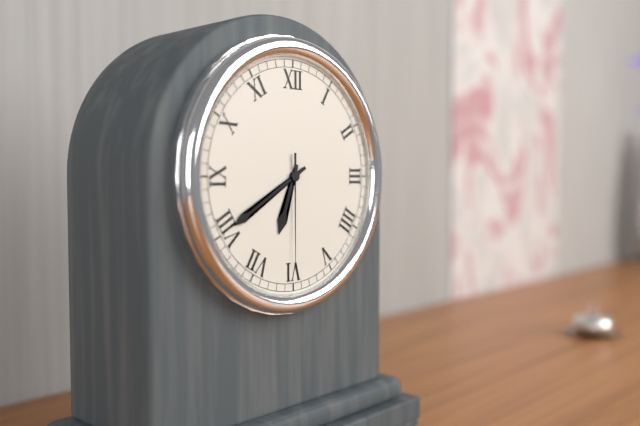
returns 6,40,30
